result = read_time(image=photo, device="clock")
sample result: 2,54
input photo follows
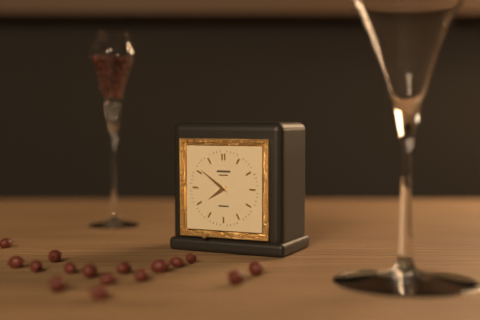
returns 7,51
